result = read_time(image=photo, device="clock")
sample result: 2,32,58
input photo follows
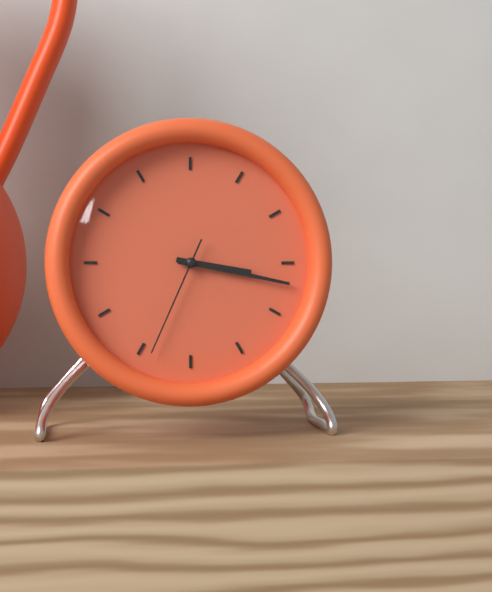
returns 3,17,34
